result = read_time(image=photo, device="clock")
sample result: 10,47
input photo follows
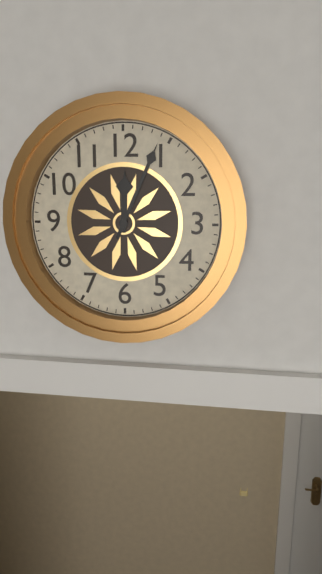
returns 12,04
